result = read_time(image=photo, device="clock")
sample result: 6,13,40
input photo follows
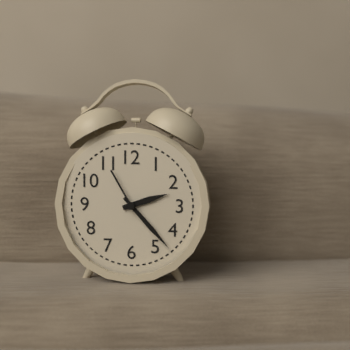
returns 2,23,55
